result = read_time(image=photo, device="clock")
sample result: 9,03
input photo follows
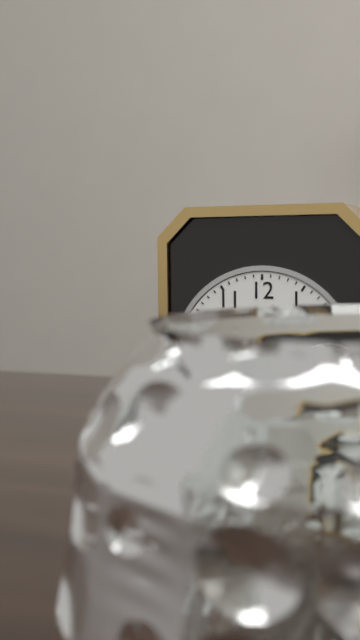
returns 3,24
